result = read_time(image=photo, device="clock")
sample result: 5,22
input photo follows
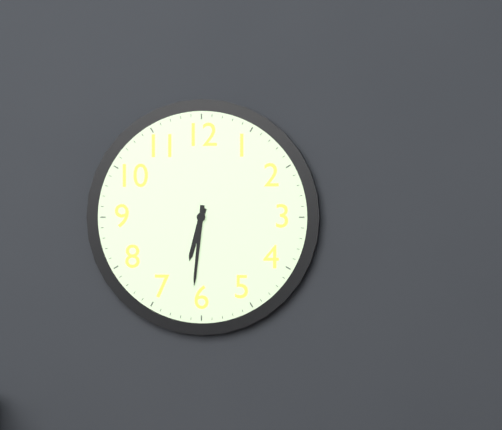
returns 6,31
